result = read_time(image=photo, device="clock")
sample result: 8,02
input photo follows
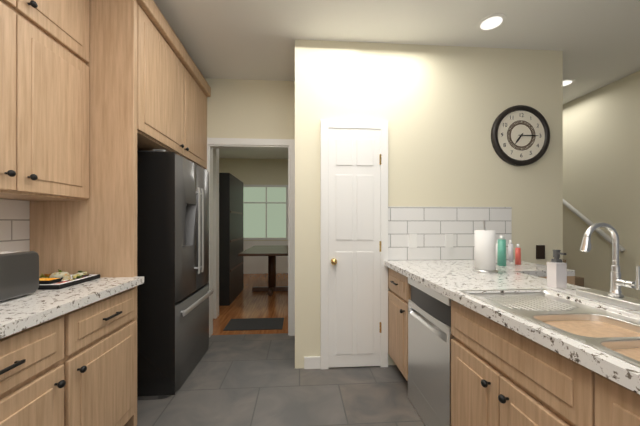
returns 7,15
